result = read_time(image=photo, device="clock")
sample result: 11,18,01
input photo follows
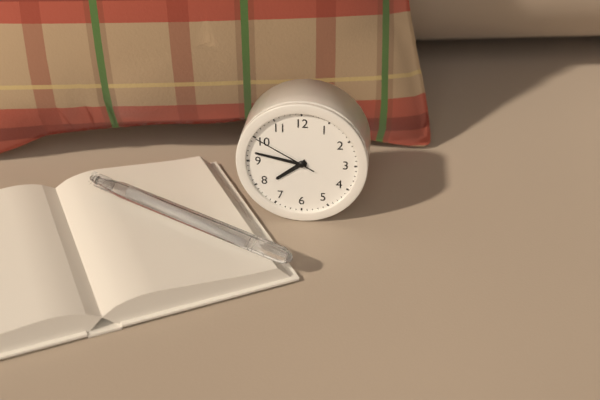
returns 7,47,50
